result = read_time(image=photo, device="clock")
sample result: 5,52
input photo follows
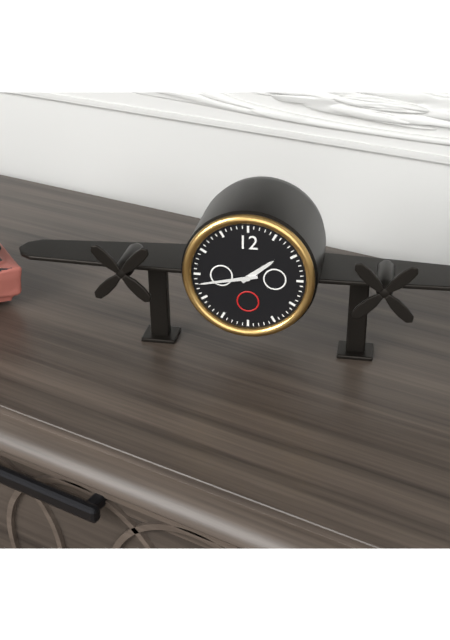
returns 1,43
